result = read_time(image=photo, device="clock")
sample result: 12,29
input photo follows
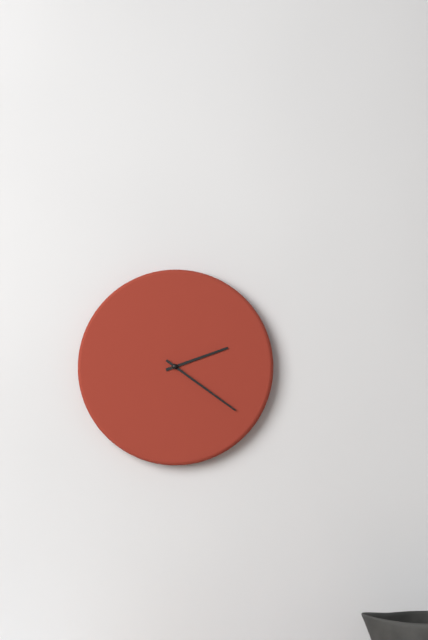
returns 2,21
